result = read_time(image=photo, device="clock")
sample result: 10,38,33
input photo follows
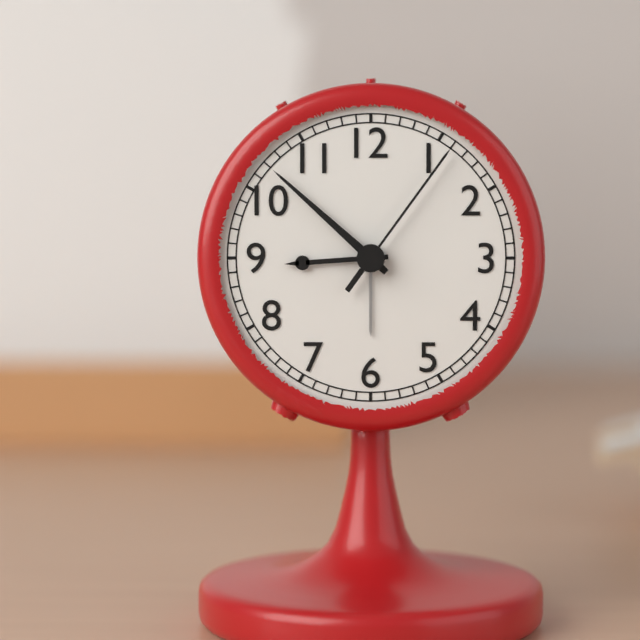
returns 8,52,06
